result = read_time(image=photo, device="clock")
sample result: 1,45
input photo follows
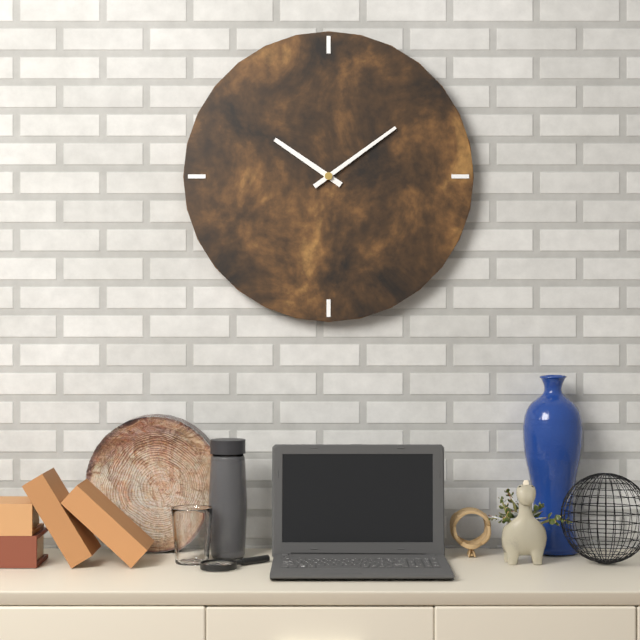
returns 10,09
